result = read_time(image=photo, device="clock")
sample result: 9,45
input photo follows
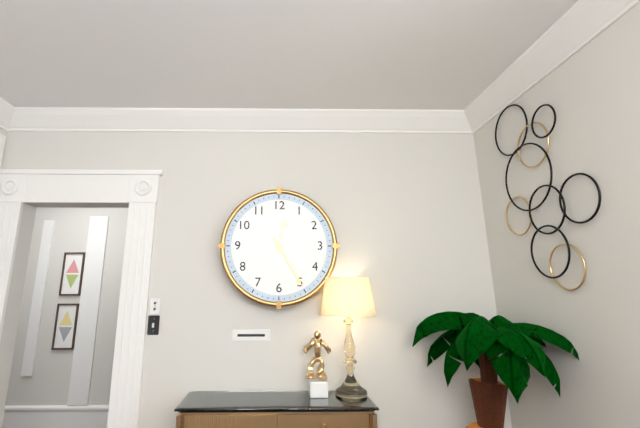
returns 12,25
